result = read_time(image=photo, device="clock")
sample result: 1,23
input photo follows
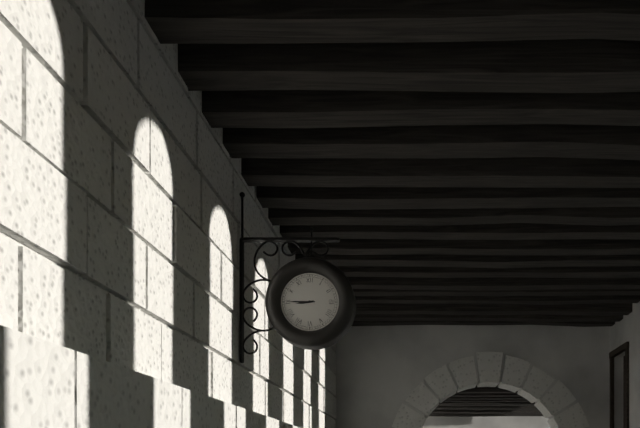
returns 8,45
